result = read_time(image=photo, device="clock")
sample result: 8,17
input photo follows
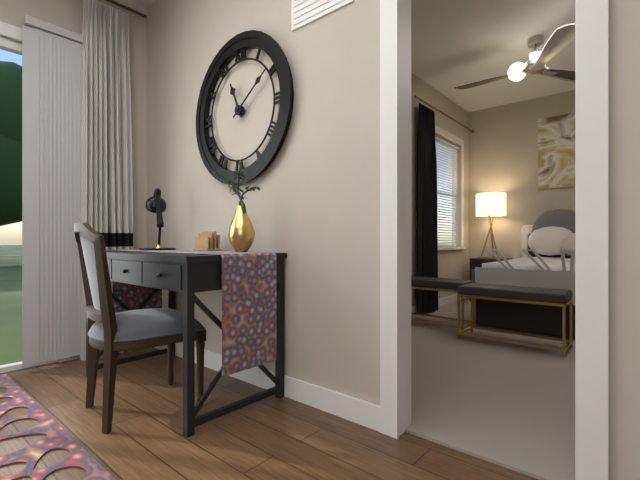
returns 11,09
